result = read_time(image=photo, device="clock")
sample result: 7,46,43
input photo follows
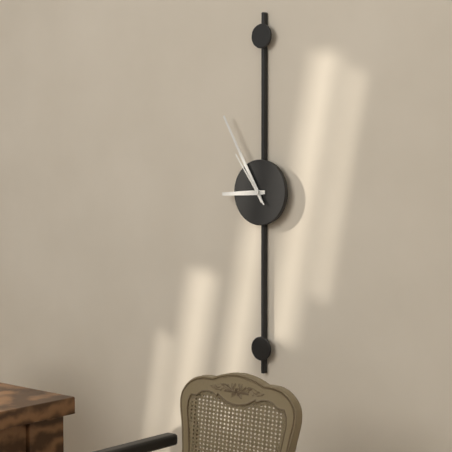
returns 8,55,54
